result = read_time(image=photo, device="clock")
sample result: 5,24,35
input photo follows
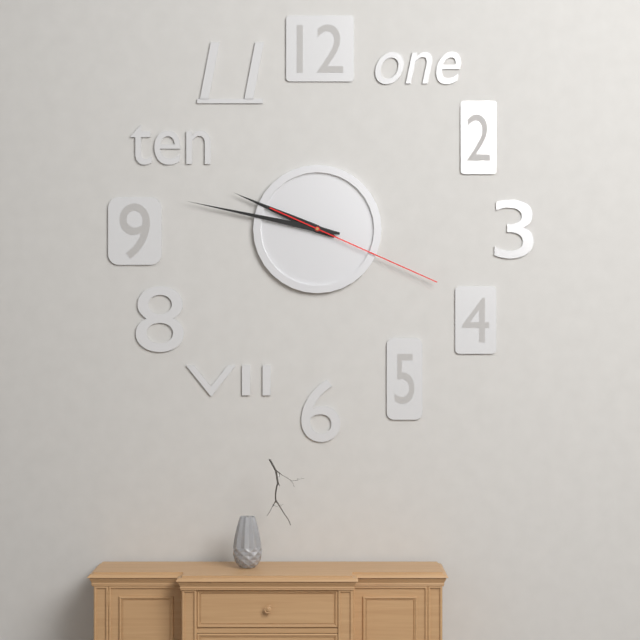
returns 9,47,19
